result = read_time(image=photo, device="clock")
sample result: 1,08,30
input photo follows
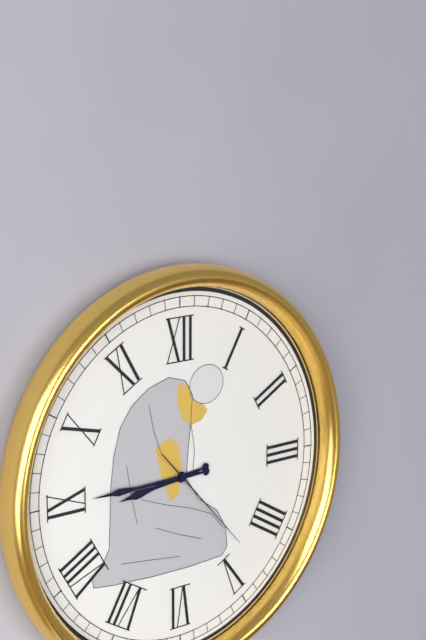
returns 8,45,23
